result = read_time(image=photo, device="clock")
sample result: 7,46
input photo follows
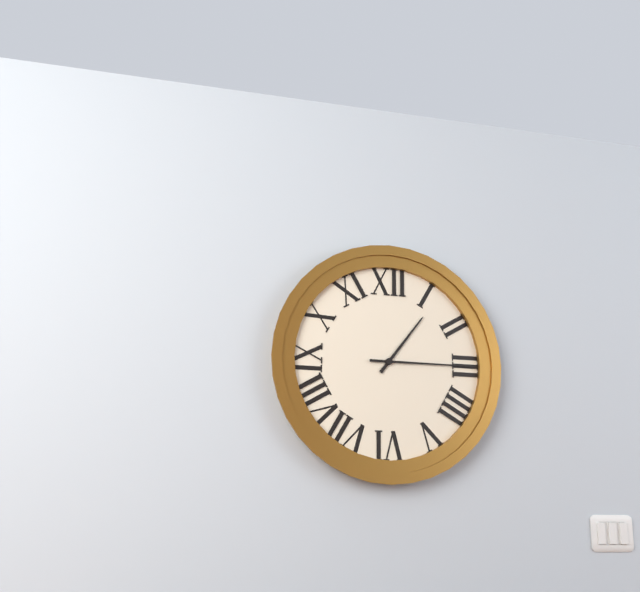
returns 1,15
